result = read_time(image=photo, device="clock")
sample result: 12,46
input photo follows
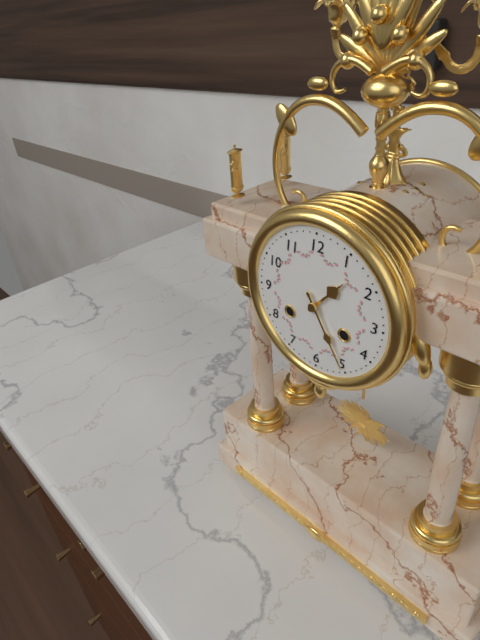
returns 1,25
